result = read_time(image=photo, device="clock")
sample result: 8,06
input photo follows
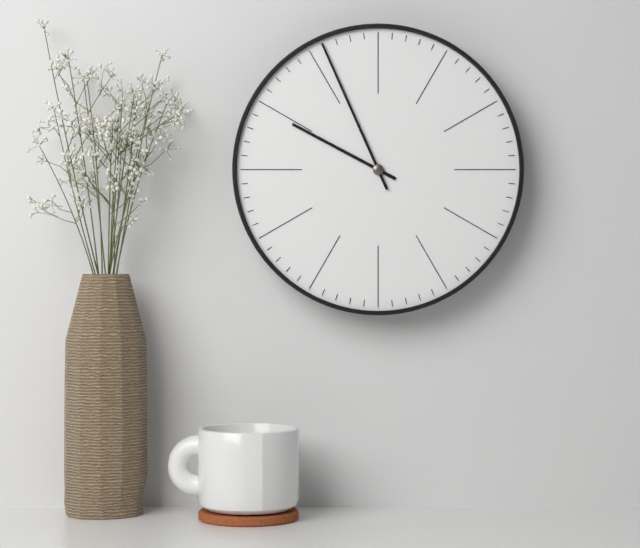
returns 9,56
